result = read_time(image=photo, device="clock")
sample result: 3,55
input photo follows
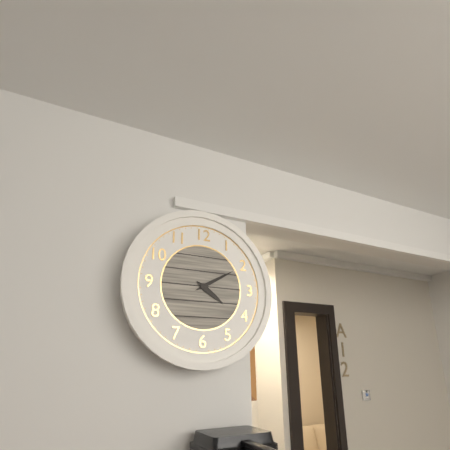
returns 4,10
